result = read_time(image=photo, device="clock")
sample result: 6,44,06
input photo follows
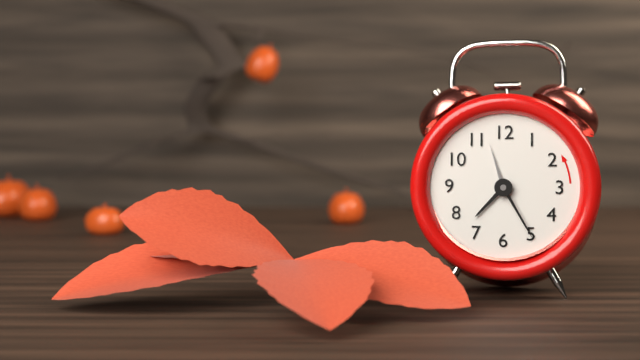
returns 7,25,57
